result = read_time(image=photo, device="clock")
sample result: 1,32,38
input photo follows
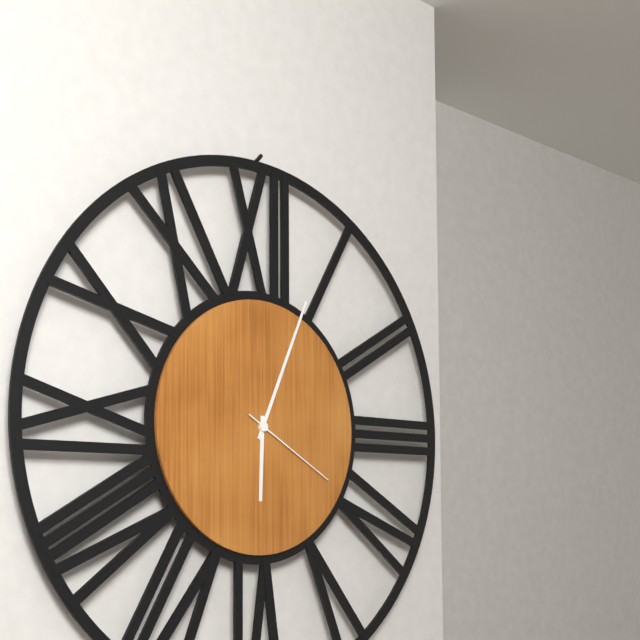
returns 6,04,20
